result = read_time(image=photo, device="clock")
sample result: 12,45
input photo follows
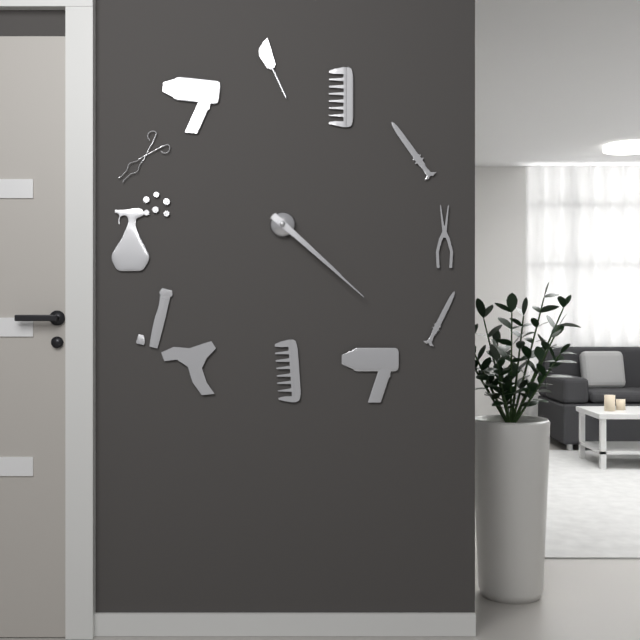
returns 4,22
